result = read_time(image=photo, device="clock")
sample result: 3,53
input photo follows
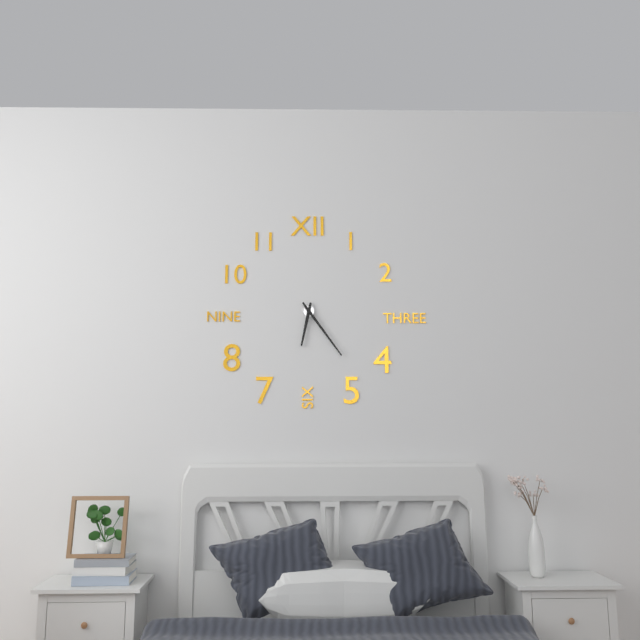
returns 6,24
